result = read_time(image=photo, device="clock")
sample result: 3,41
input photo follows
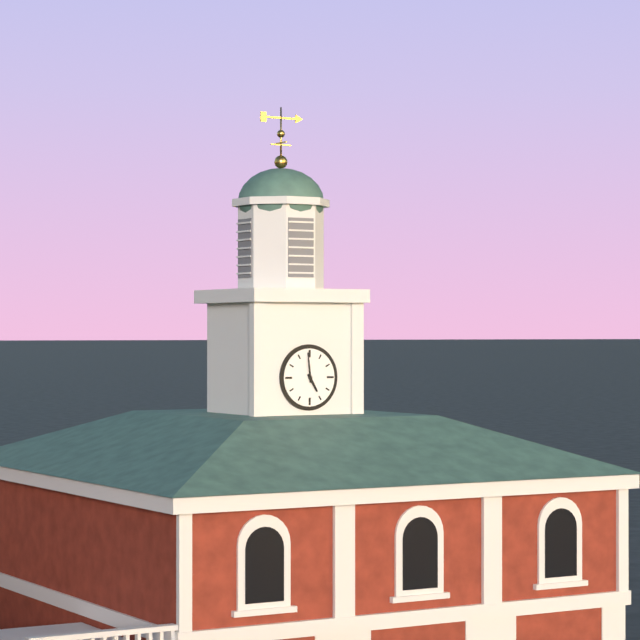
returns 4,59
